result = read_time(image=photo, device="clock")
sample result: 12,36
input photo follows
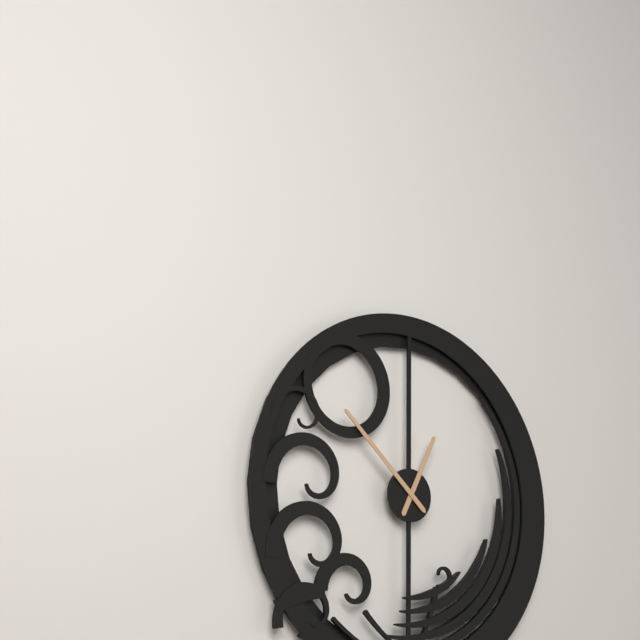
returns 12,52
